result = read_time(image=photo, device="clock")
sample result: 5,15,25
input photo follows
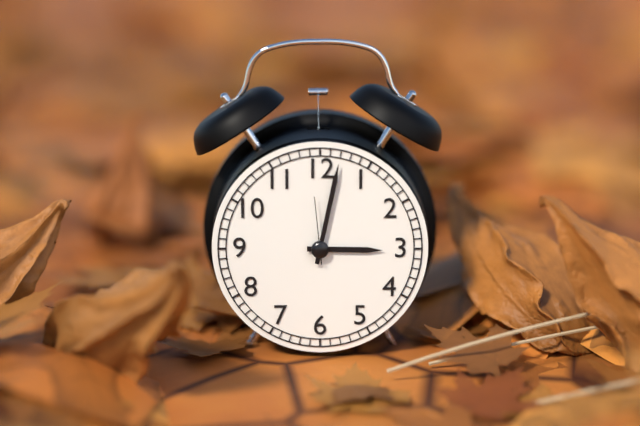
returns 3,02,59
